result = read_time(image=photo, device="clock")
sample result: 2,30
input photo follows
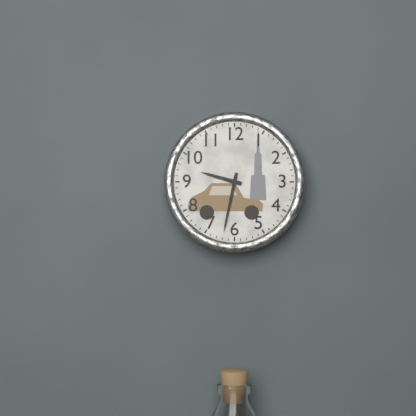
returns 9,32
